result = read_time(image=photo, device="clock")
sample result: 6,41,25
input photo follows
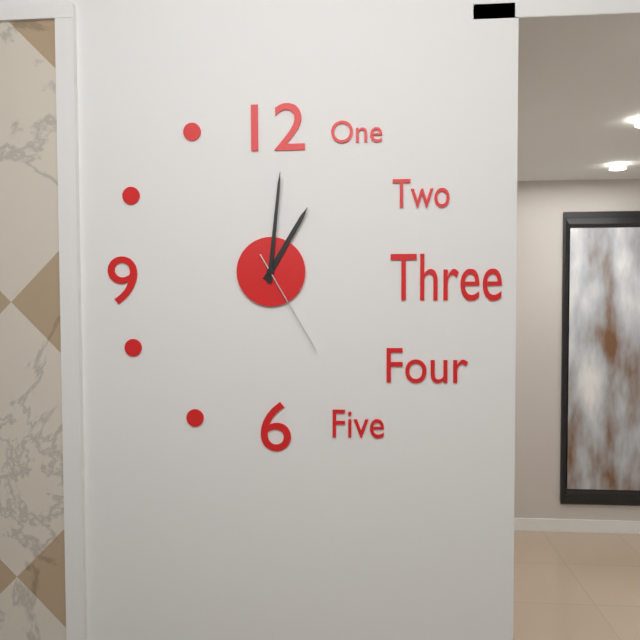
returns 1,01,25
